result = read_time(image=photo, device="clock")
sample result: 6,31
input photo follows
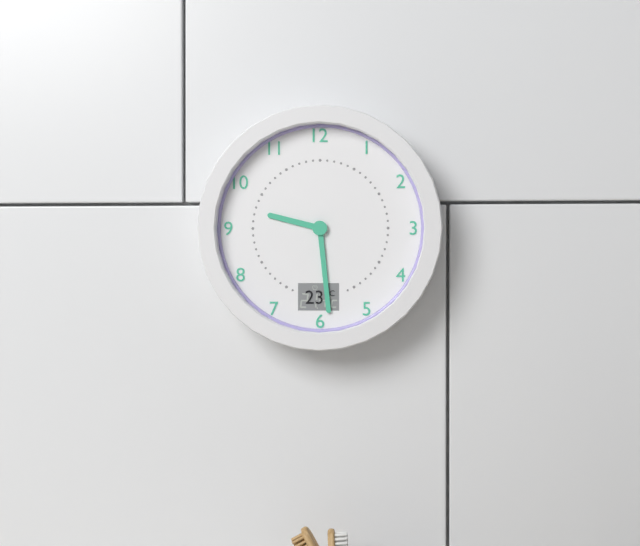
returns 9,29
